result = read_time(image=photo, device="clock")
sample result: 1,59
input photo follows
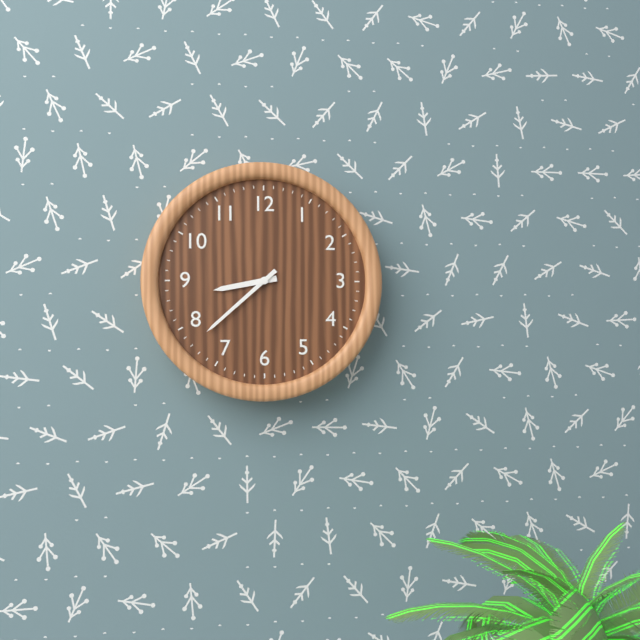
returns 8,38
